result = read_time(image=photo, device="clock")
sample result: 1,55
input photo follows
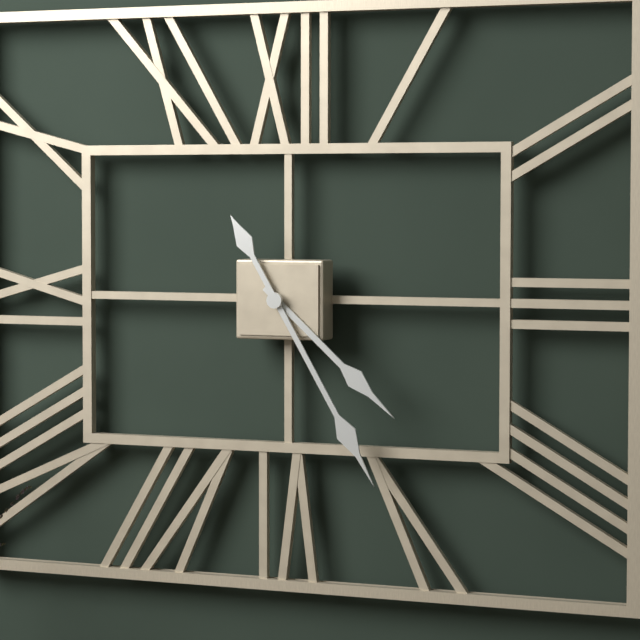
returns 4,25
